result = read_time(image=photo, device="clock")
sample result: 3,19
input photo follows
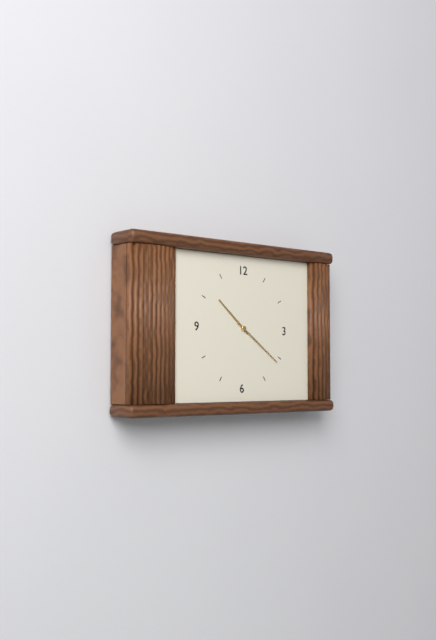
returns 10,21
